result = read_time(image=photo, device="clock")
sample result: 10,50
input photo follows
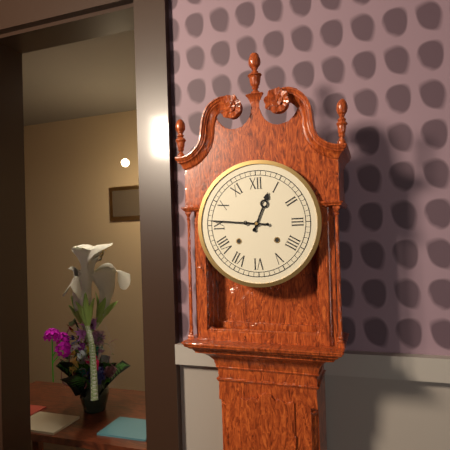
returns 12,46
